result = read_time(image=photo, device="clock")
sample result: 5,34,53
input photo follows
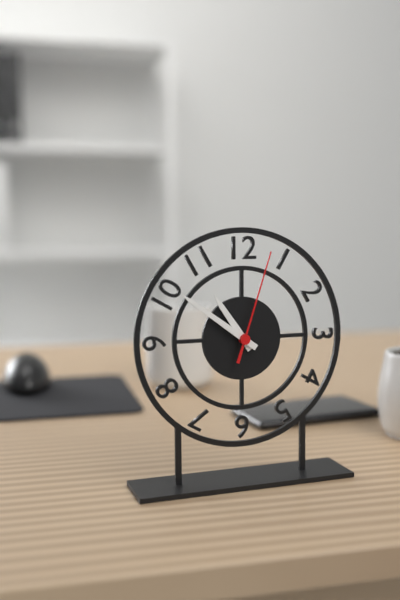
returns 10,51,03
